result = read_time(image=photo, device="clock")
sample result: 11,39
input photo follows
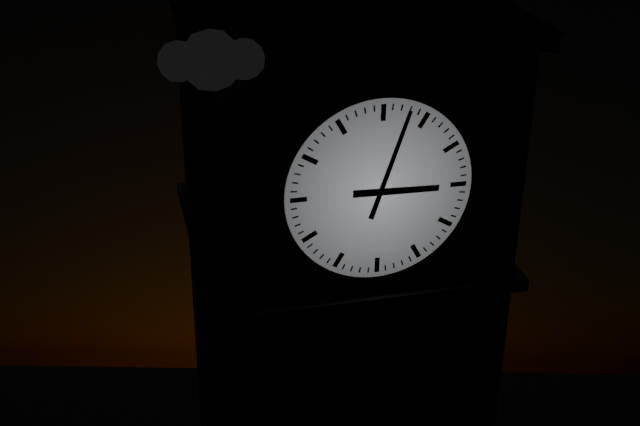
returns 3,03
